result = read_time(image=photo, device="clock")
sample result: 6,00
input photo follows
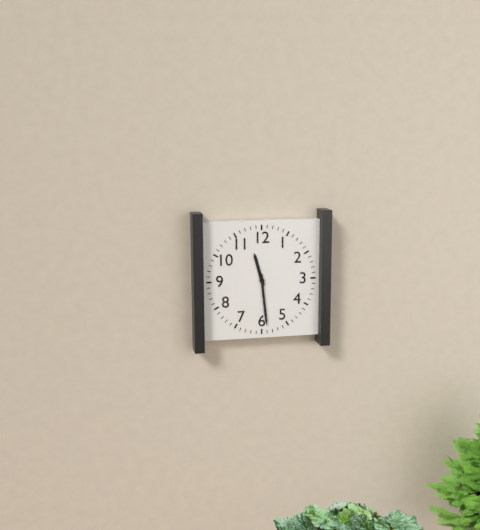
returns 11,29
